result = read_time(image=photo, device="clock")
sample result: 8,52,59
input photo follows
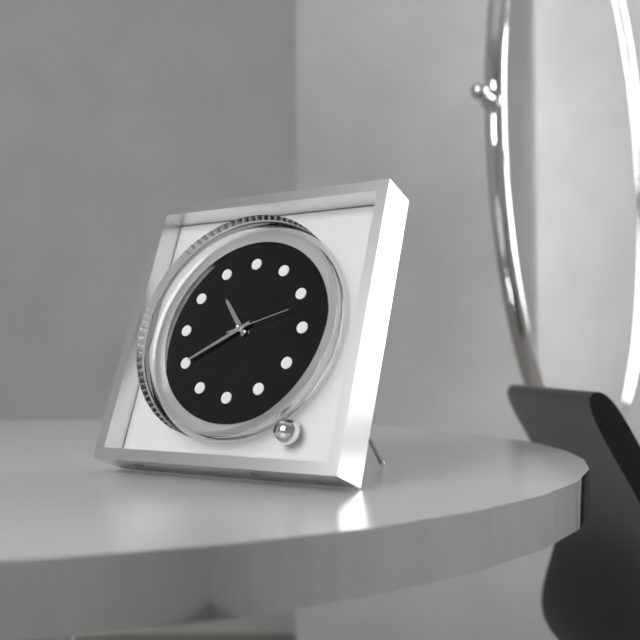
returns 10,40,12
